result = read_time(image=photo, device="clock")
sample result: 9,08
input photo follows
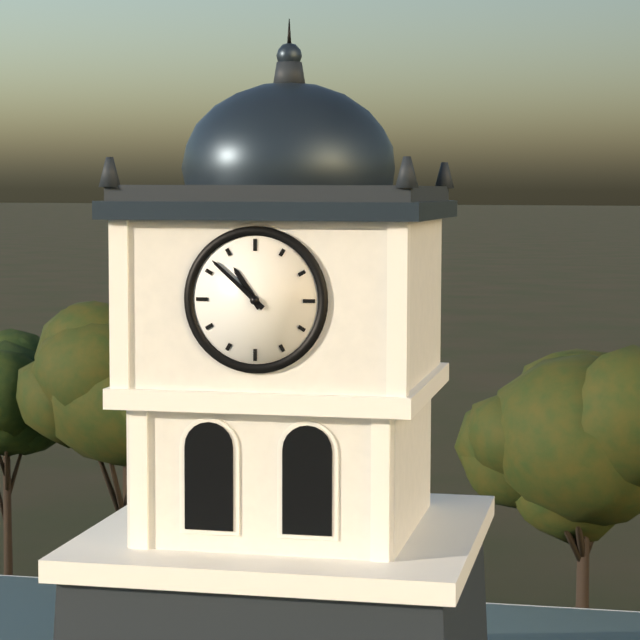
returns 10,52
